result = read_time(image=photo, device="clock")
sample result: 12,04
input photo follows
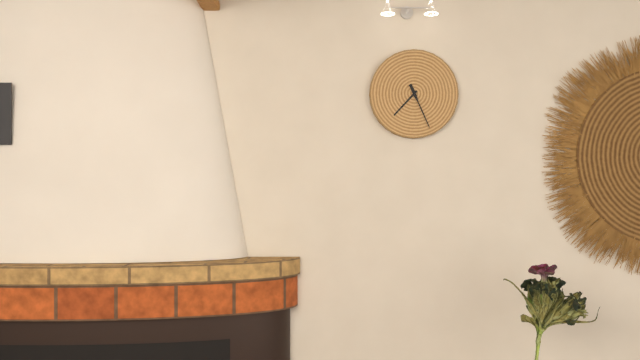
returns 7,26
